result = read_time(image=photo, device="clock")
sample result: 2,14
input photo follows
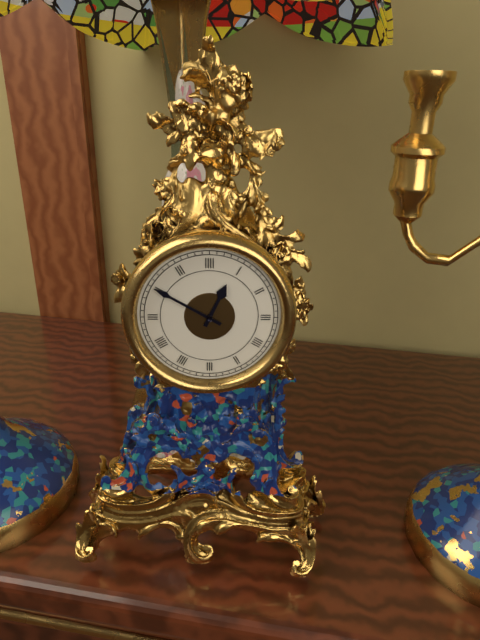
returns 12,50
